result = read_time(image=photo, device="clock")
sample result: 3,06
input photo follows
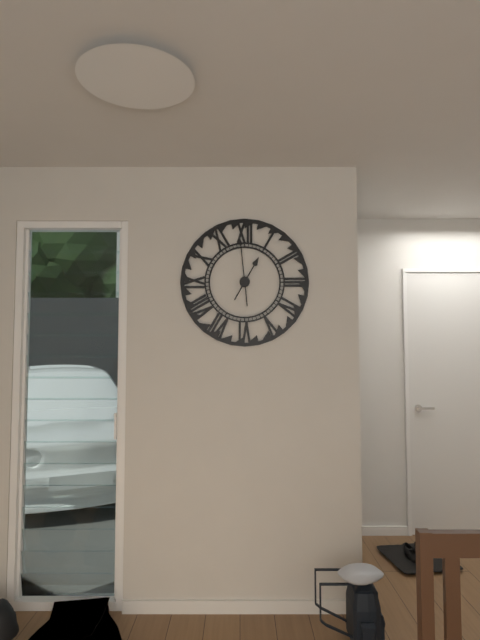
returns 12,59
